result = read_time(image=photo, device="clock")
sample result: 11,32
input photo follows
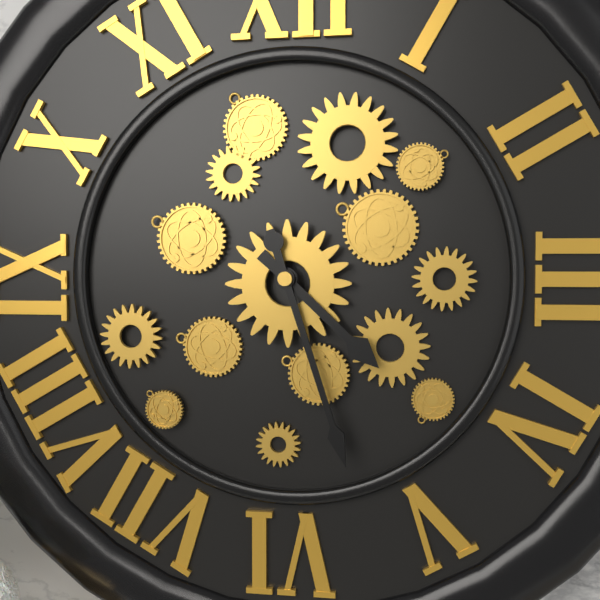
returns 4,27
